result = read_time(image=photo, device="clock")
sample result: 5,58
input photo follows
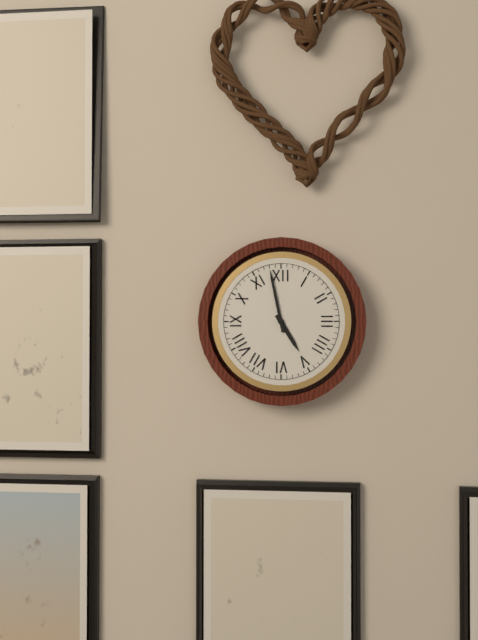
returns 4,58
